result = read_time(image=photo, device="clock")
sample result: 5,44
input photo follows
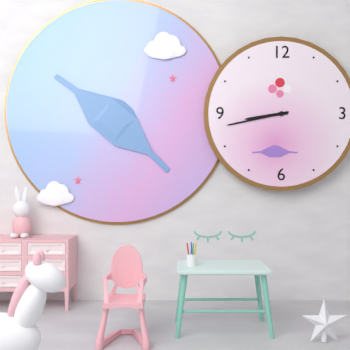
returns 8,43
